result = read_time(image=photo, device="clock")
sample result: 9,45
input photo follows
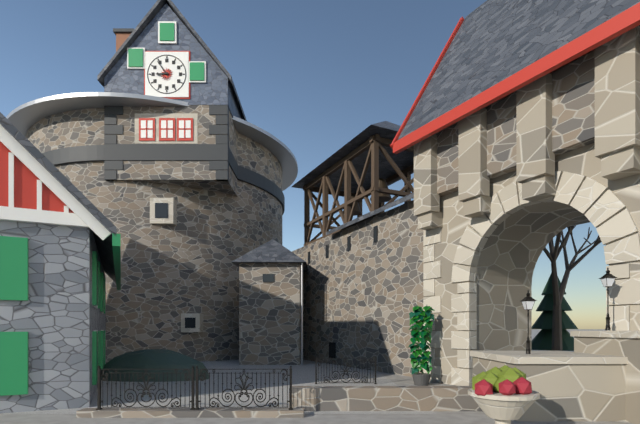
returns 8,54
